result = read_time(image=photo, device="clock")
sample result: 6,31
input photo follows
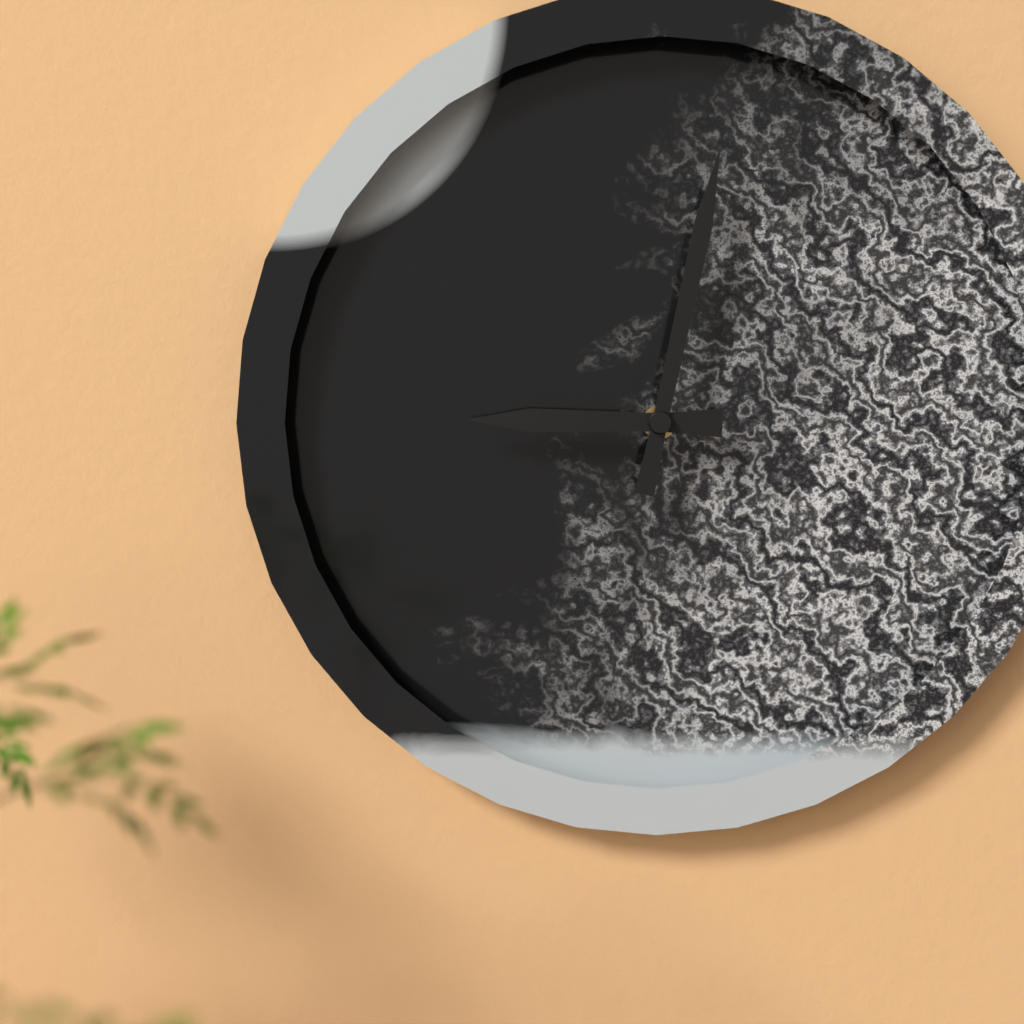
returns 9,02
